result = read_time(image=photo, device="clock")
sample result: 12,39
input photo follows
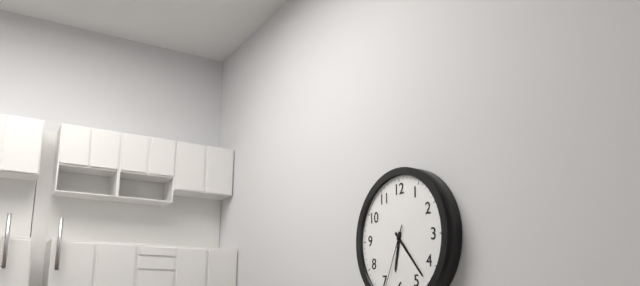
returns 6,23
